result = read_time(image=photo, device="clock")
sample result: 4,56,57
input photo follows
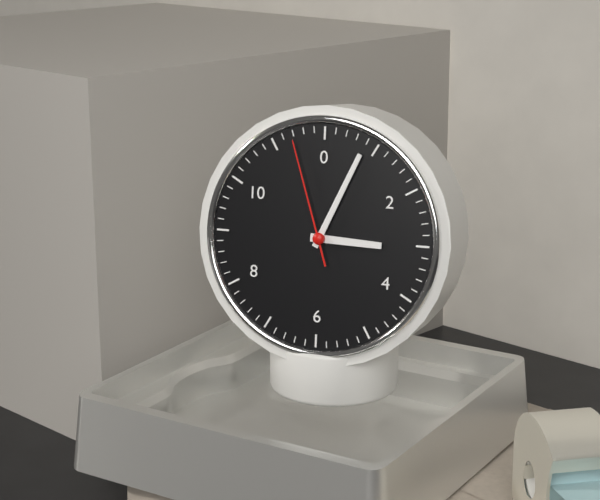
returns 3,04,57
